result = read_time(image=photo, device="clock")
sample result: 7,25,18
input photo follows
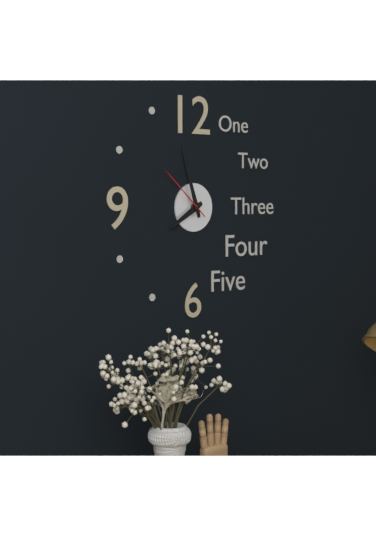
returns 7,57,52
